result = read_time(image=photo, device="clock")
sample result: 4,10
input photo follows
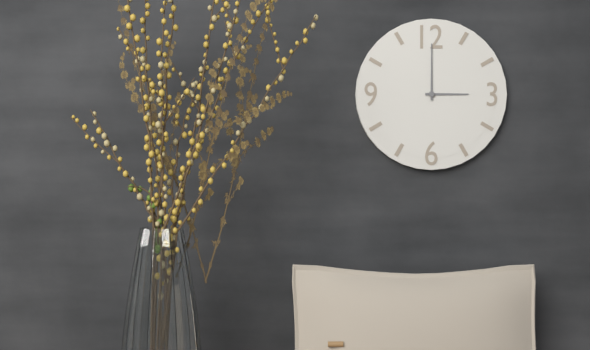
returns 3,00
